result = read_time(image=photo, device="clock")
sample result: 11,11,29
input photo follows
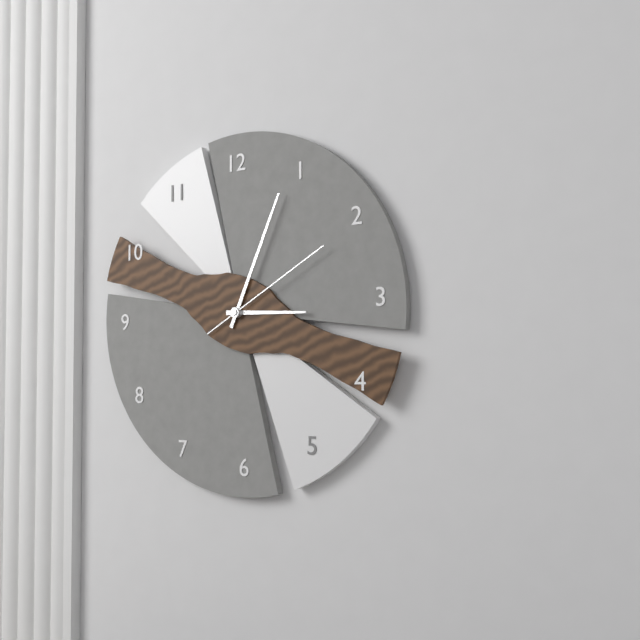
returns 3,04,10
